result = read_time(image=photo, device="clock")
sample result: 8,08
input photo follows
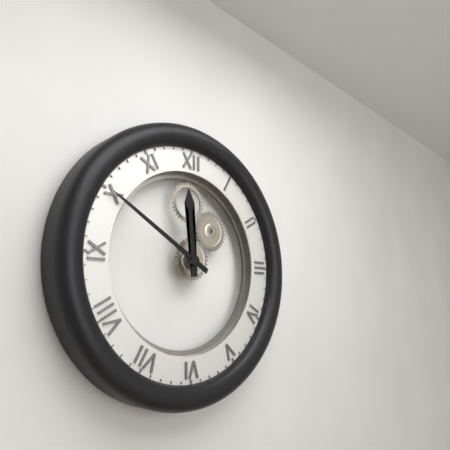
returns 11,50
